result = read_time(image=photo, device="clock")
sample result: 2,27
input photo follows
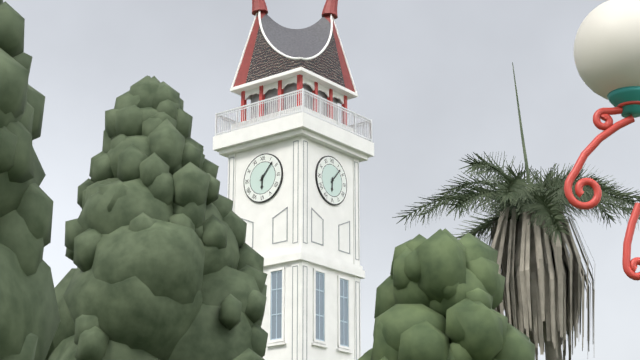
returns 6,07
